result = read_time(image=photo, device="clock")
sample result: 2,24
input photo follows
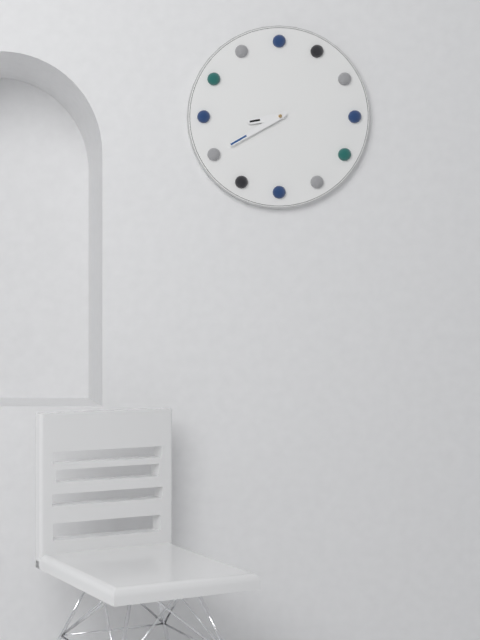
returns 8,40
